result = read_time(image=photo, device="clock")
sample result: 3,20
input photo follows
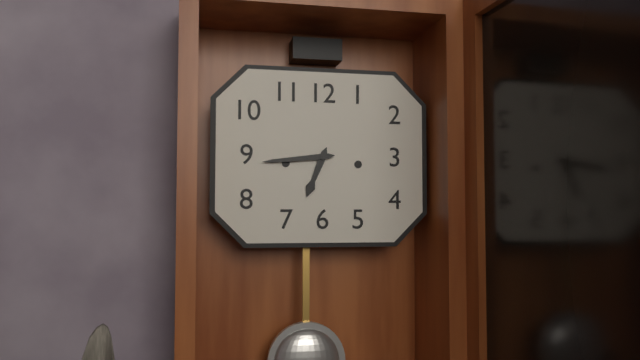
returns 6,44
